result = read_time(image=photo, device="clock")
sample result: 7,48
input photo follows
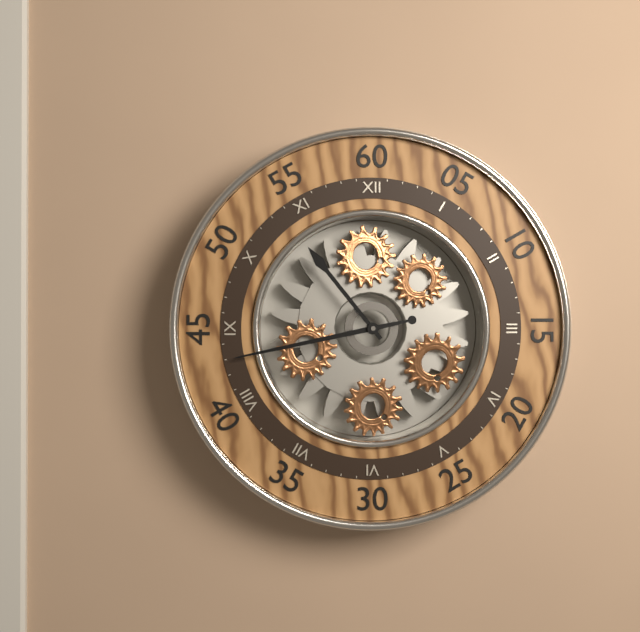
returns 10,43
